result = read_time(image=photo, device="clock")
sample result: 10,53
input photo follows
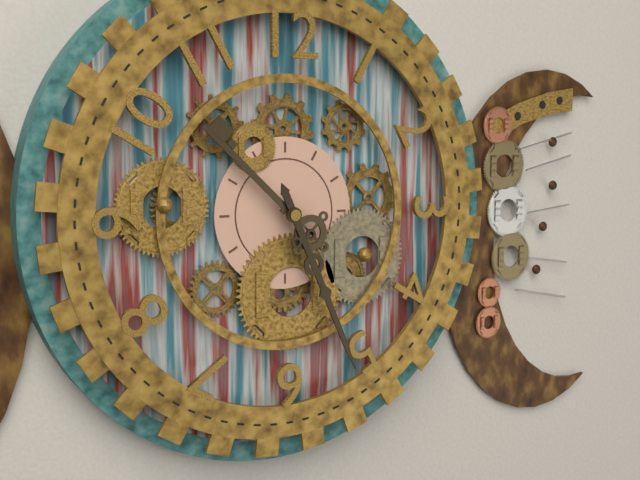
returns 10,26
